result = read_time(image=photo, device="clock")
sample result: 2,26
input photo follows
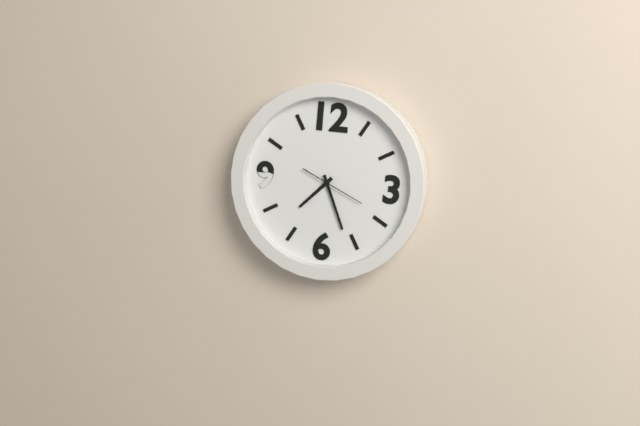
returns 7,26
